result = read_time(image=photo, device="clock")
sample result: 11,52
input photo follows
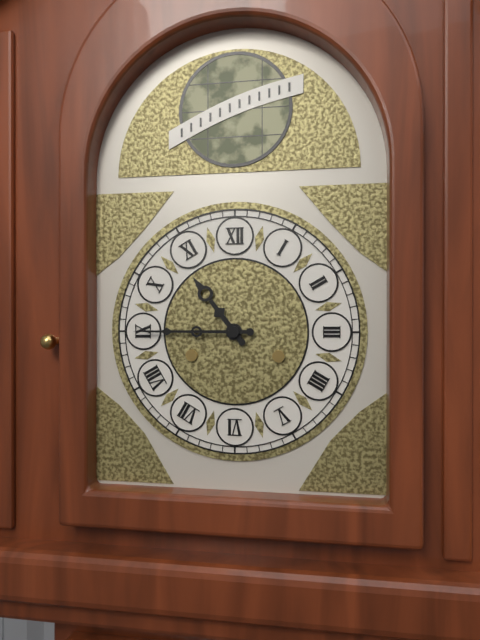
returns 10,45
